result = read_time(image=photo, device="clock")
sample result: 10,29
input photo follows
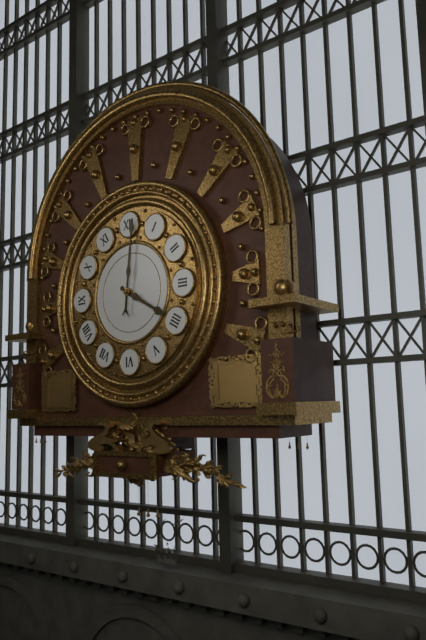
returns 4,01
